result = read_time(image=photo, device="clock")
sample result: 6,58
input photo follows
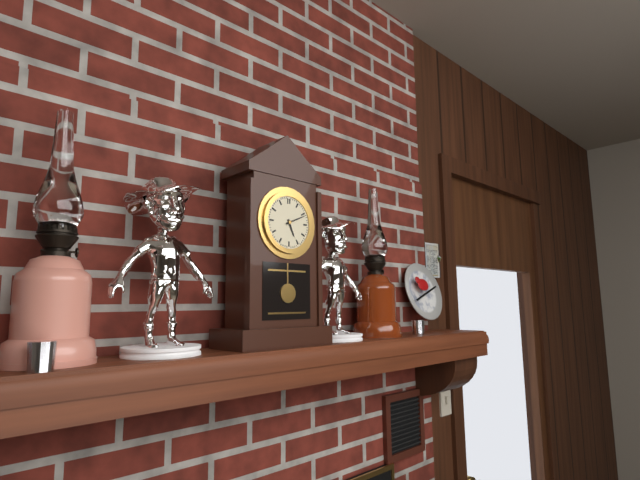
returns 5,11
